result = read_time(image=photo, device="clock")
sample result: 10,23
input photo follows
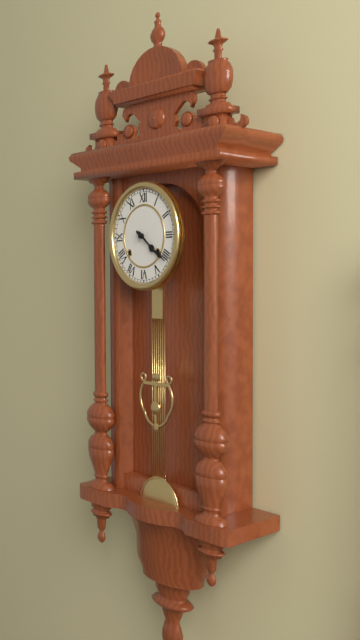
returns 4,21
